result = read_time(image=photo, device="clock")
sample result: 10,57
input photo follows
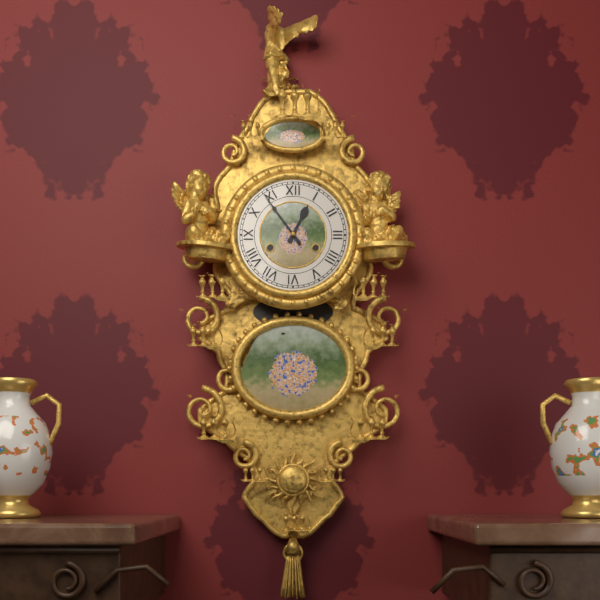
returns 12,54
